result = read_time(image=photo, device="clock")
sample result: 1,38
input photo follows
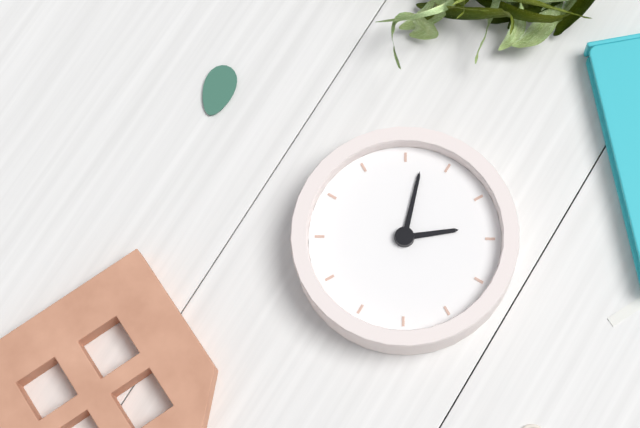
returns 10,42
